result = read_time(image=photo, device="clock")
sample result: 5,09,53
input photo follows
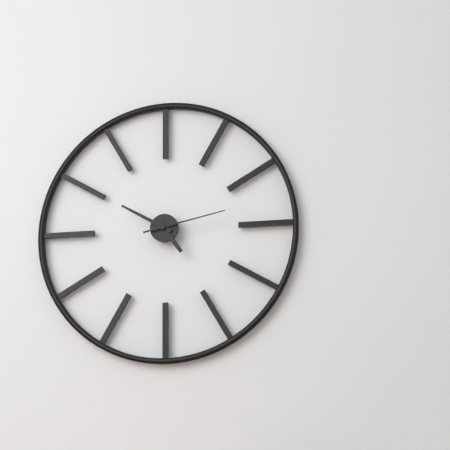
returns 4,50,13
